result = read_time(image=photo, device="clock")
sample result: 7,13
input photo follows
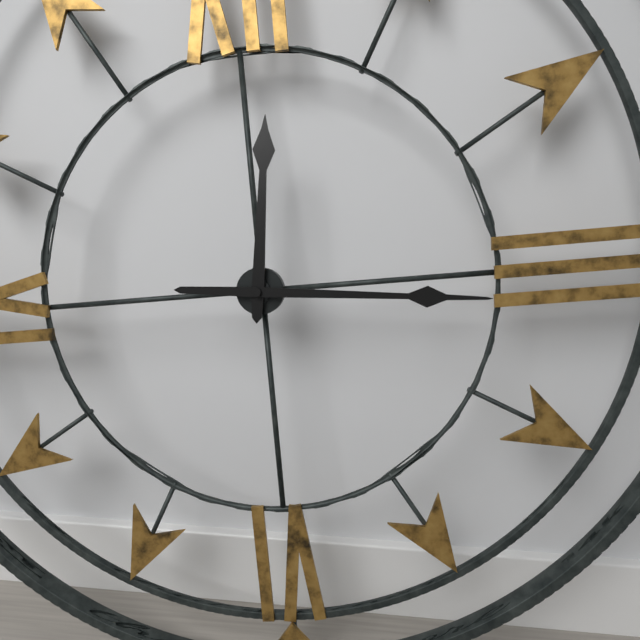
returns 12,16
